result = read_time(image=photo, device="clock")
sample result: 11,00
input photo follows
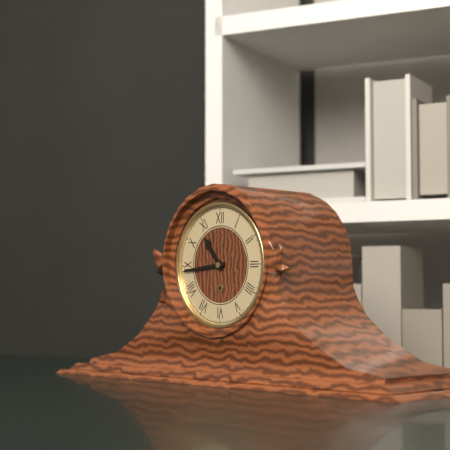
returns 10,44
